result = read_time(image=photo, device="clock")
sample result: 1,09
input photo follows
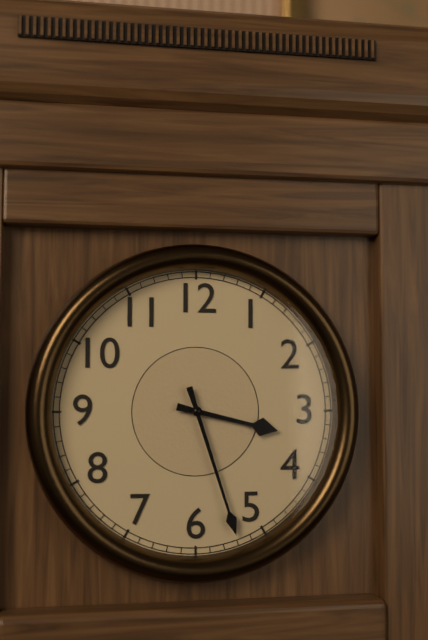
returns 3,27
